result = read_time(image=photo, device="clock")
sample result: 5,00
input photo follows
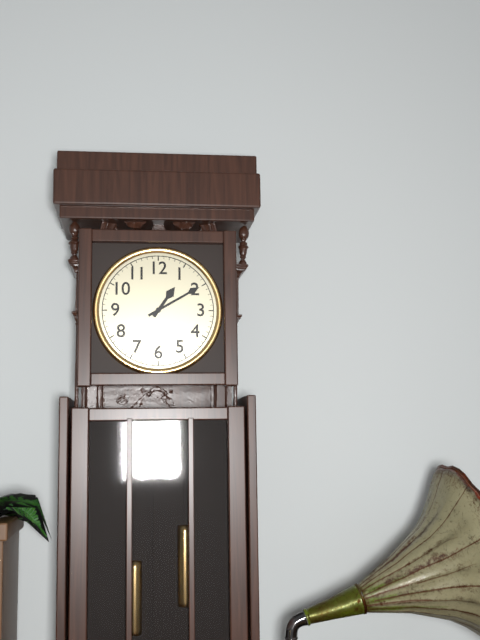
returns 1,10
